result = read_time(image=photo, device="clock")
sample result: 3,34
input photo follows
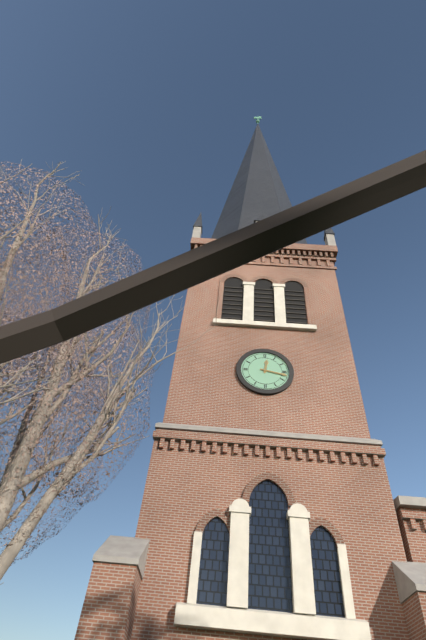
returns 12,17
